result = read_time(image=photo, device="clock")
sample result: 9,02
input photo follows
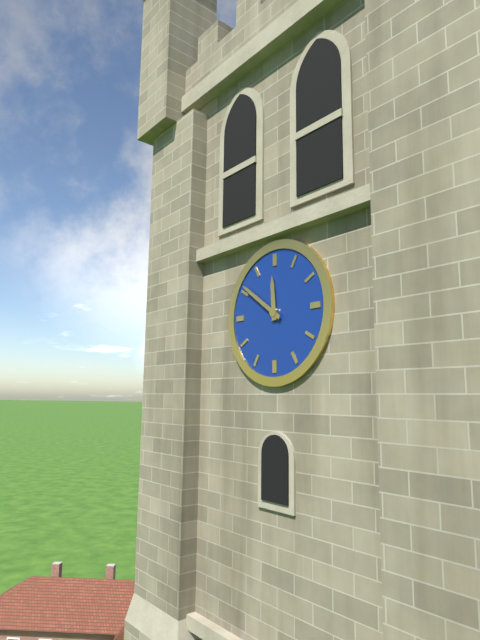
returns 11,51
